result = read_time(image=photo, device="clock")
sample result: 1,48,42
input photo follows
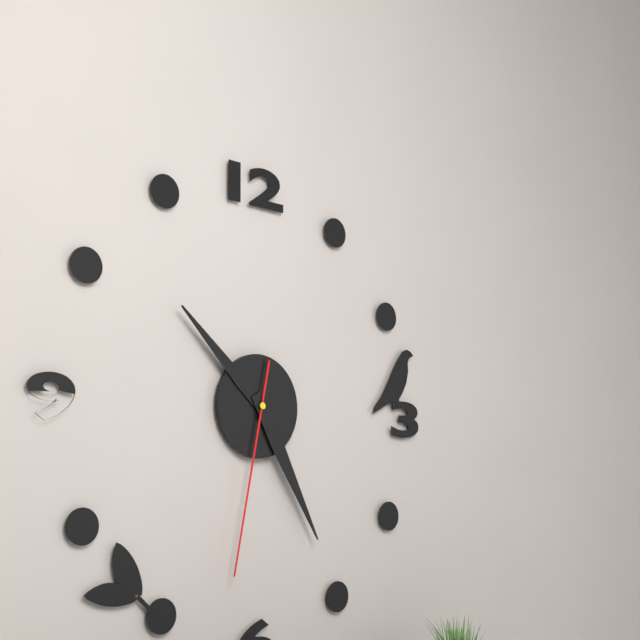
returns 10,25,32
